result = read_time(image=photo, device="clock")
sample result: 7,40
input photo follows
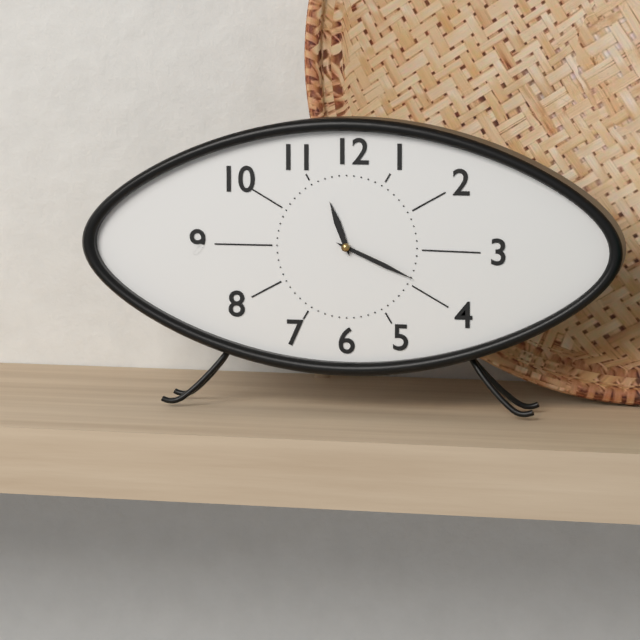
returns 11,19
